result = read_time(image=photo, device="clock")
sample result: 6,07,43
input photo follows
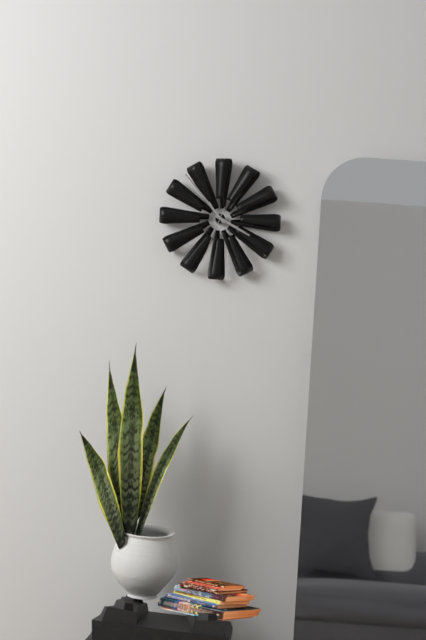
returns 3,53,33
